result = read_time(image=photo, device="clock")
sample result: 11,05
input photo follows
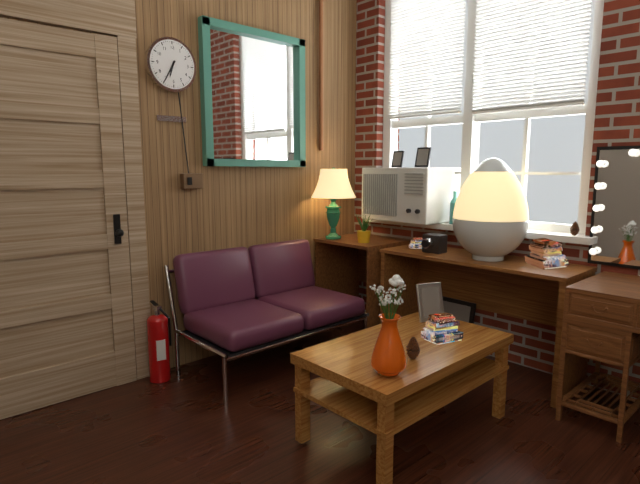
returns 6,35
